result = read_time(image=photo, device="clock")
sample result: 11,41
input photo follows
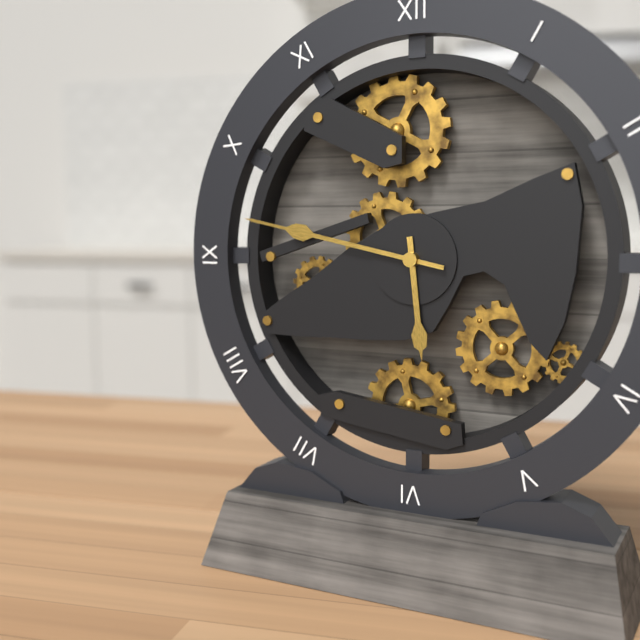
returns 5,47
